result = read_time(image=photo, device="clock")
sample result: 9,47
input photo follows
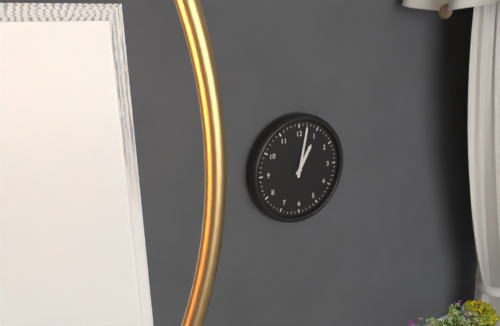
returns 1,02
